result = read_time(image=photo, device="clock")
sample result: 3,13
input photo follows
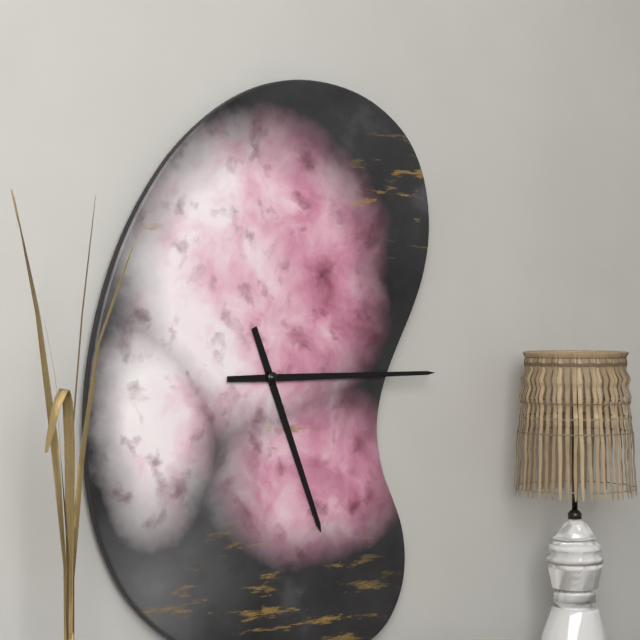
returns 5,15
